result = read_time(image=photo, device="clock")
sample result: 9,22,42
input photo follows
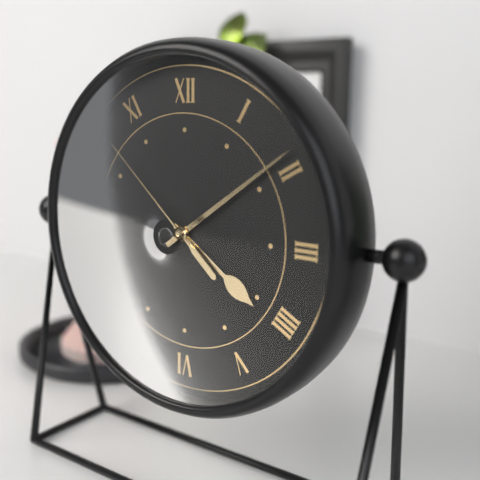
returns 4,09,52
